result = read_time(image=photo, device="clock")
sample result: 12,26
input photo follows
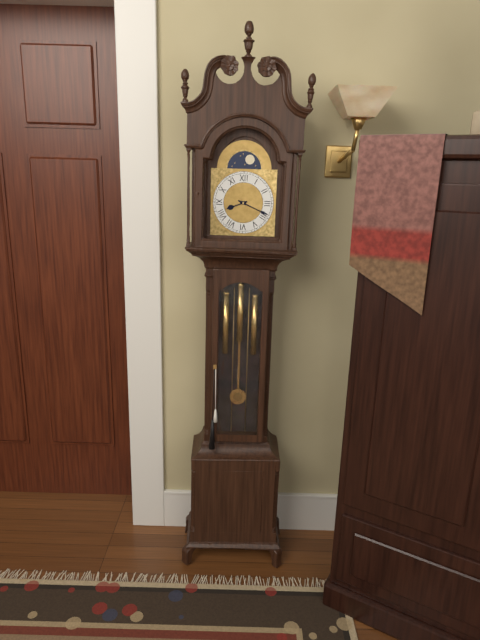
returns 8,19
